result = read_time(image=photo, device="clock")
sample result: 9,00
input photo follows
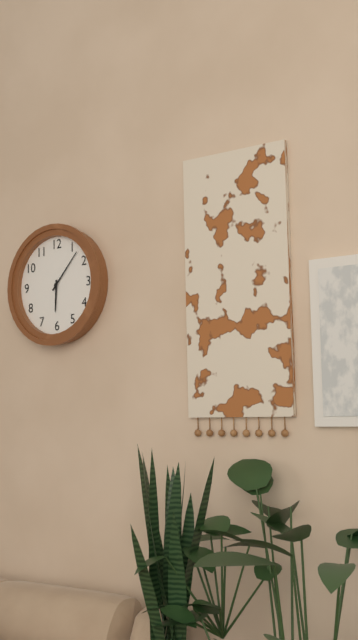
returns 6,07
